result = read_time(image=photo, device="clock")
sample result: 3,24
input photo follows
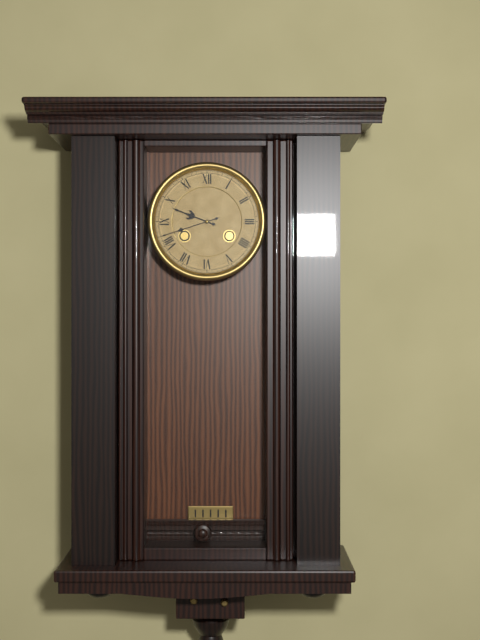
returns 9,42
